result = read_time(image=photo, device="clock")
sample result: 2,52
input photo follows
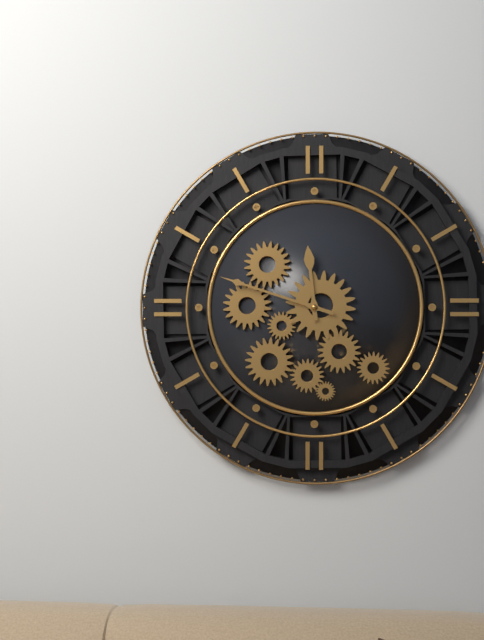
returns 11,48
